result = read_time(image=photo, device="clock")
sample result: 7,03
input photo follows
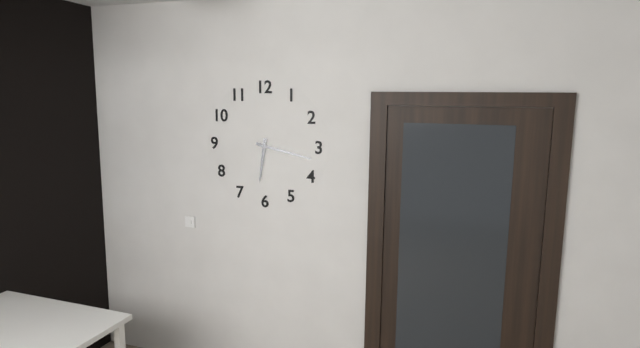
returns 6,17
